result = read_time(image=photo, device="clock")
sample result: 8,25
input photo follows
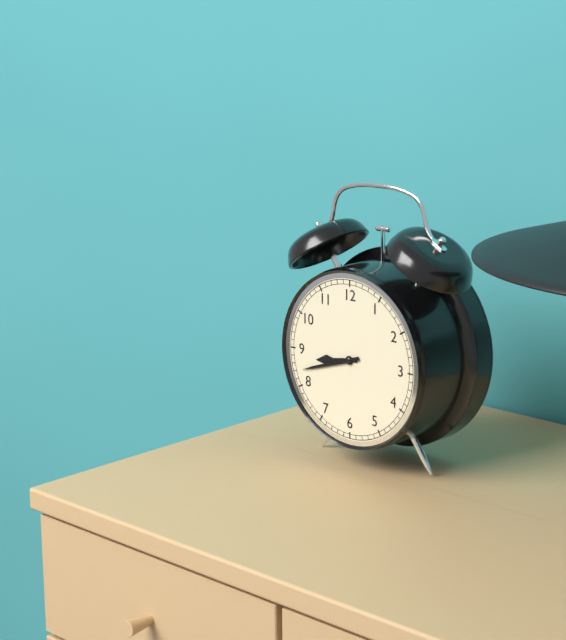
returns 8,42
